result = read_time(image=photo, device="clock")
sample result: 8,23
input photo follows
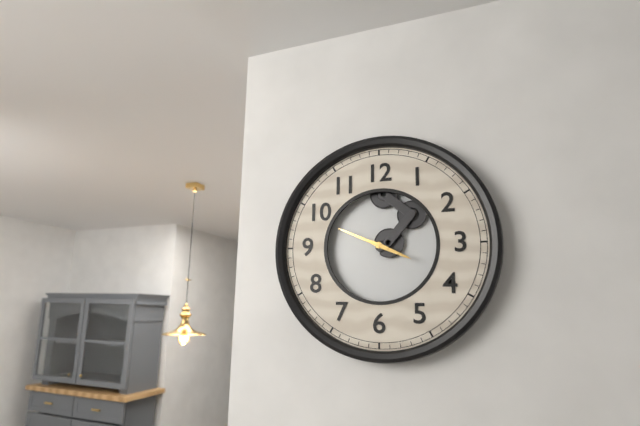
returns 3,49
